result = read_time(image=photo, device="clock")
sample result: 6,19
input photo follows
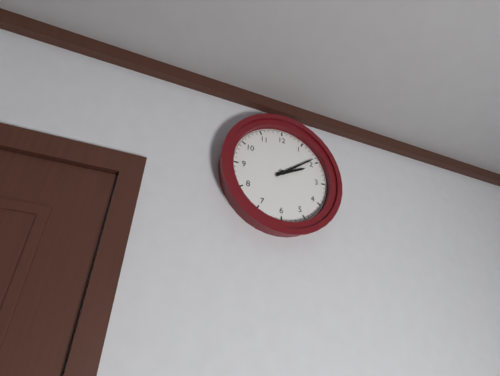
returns 2,09
